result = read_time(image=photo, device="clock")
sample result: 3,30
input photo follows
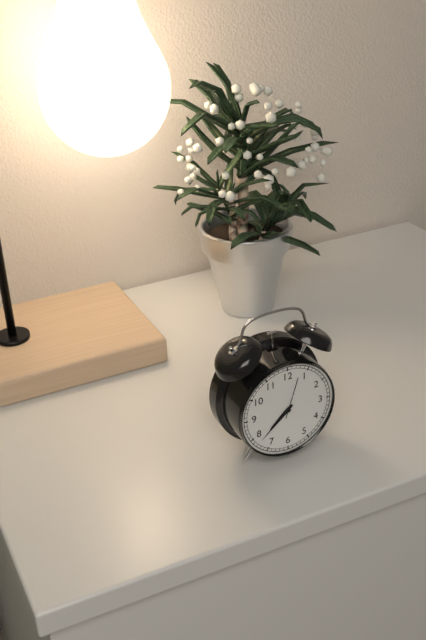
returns 7,38
